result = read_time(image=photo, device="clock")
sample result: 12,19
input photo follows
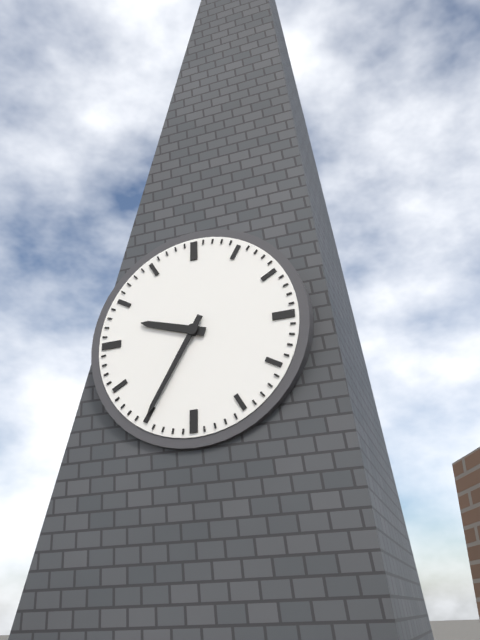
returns 9,35
